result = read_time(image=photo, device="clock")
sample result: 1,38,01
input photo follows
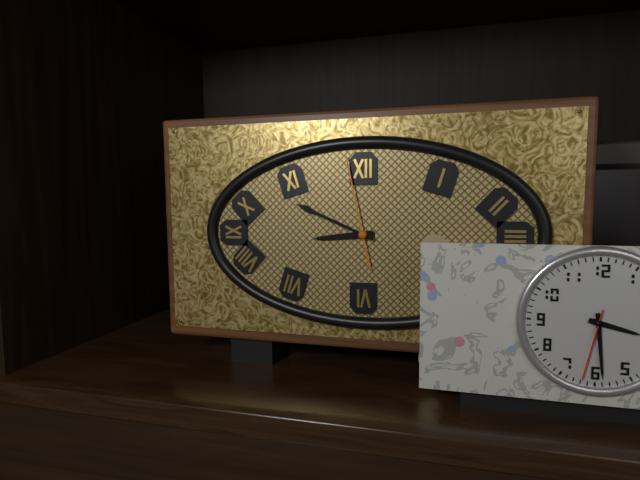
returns 8,49,58
